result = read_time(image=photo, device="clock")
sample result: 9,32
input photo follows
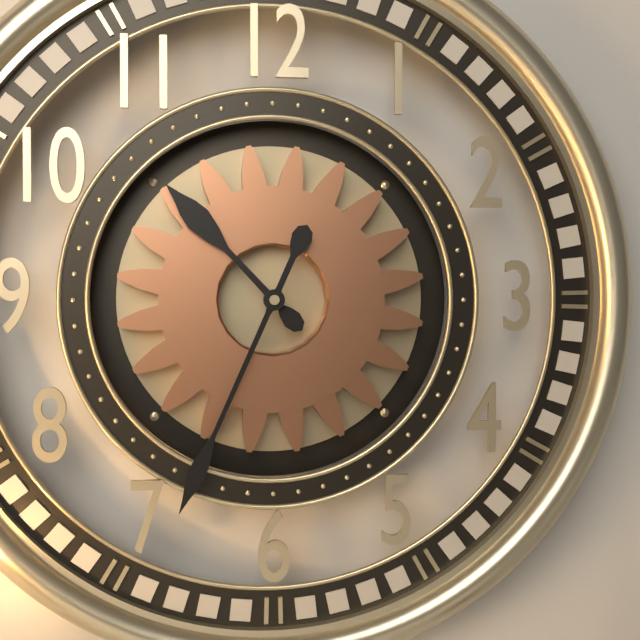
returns 10,34
